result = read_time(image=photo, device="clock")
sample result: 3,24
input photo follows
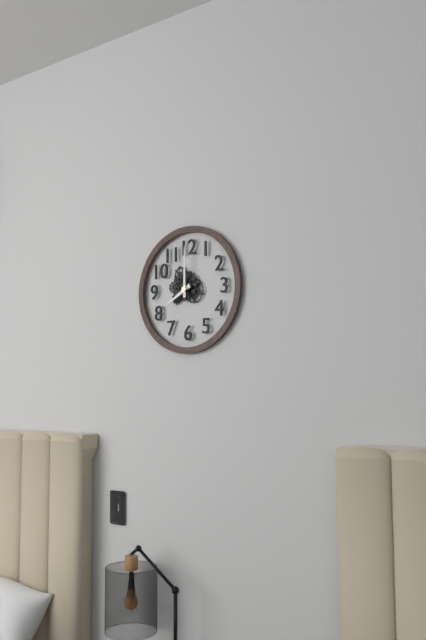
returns 8,00
